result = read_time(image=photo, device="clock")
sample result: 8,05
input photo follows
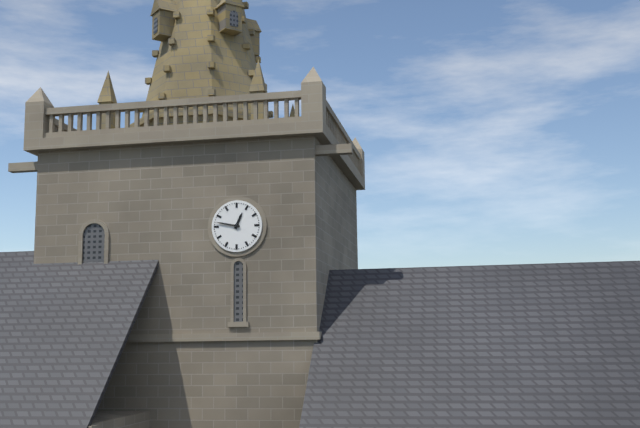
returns 12,47
